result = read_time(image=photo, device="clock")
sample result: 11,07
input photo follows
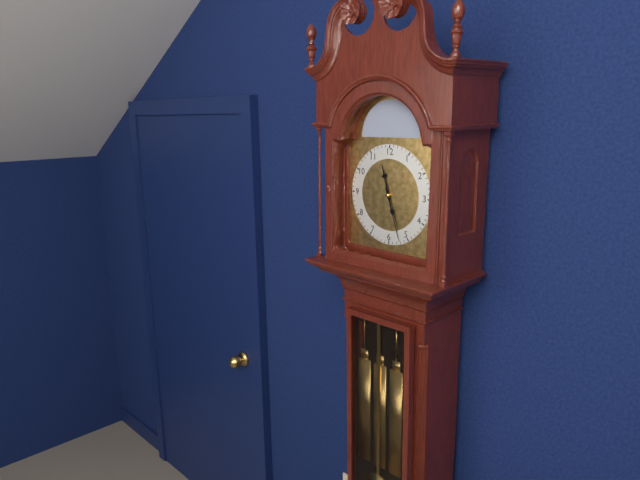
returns 11,27
